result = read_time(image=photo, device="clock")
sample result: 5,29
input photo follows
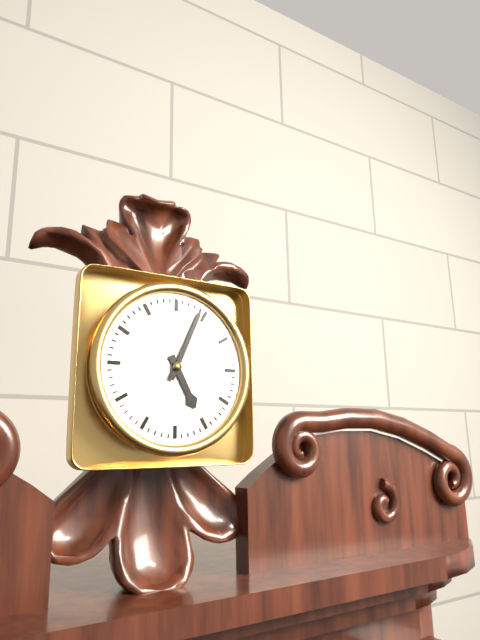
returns 5,04
